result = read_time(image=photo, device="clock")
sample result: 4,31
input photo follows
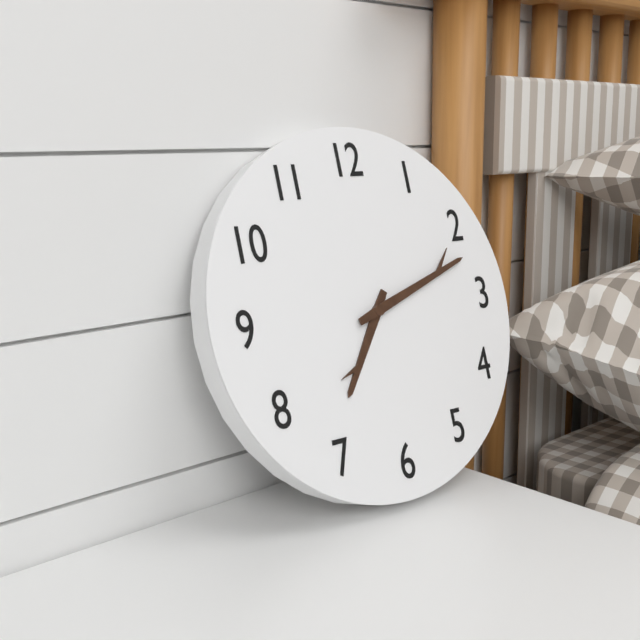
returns 7,12
